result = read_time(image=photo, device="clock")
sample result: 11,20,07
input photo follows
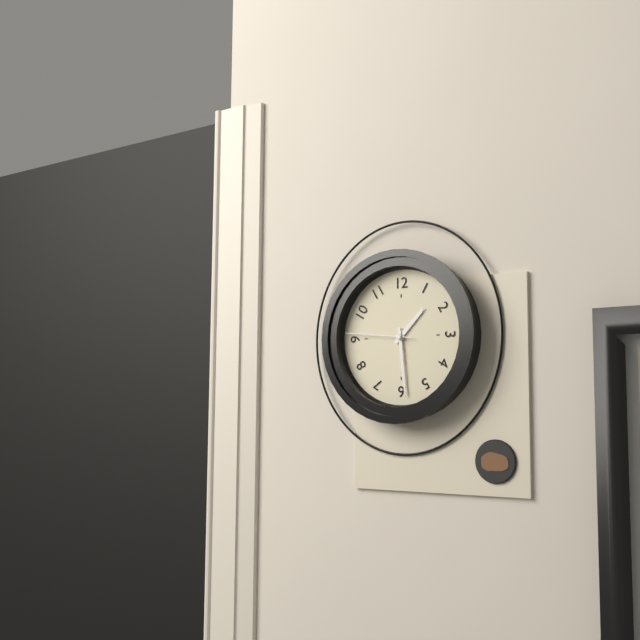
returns 1,29,46
